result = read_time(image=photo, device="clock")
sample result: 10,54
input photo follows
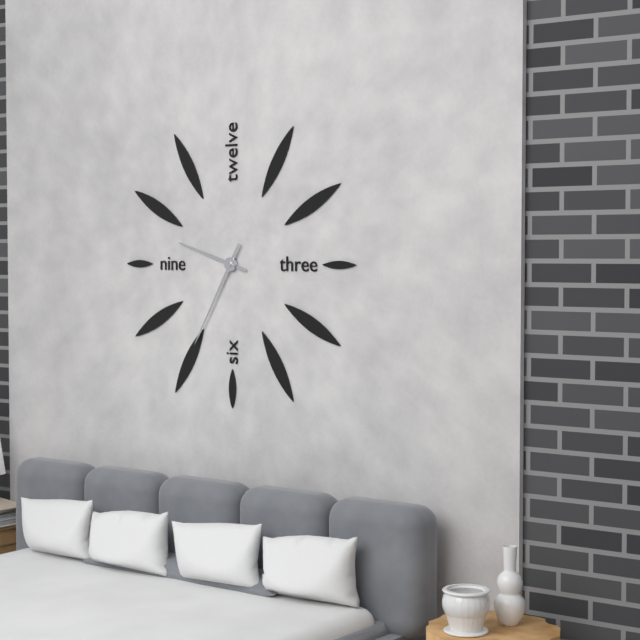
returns 9,35
